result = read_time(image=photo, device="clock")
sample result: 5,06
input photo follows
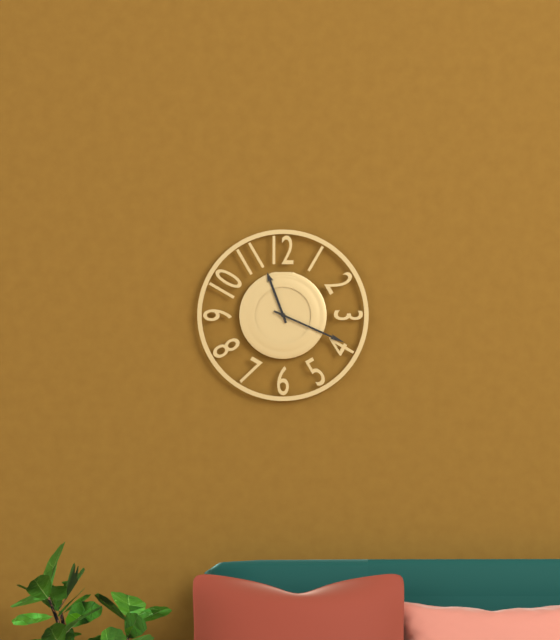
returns 11,19
